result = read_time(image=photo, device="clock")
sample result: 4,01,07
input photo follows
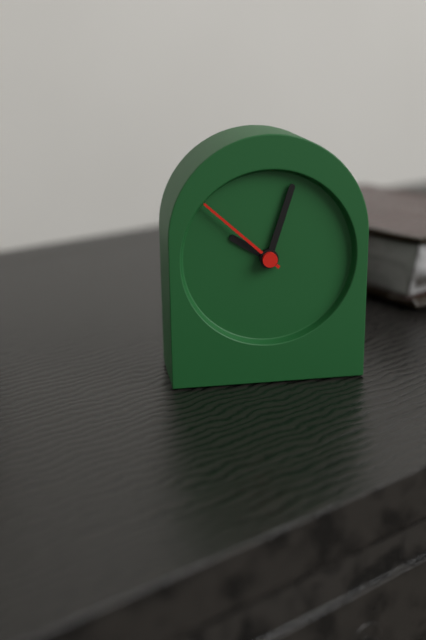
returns 10,03,52
